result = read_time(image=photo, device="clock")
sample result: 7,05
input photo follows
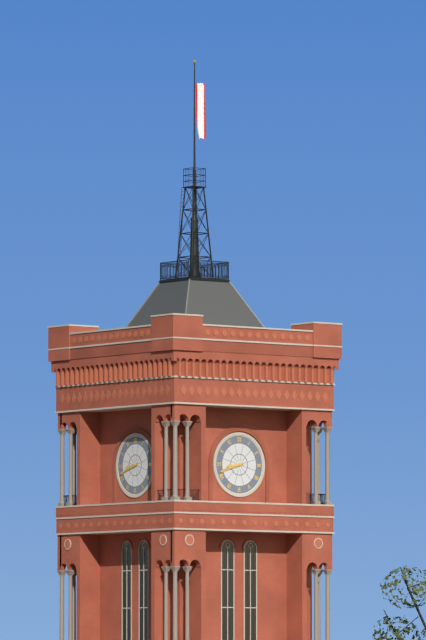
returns 8,42
